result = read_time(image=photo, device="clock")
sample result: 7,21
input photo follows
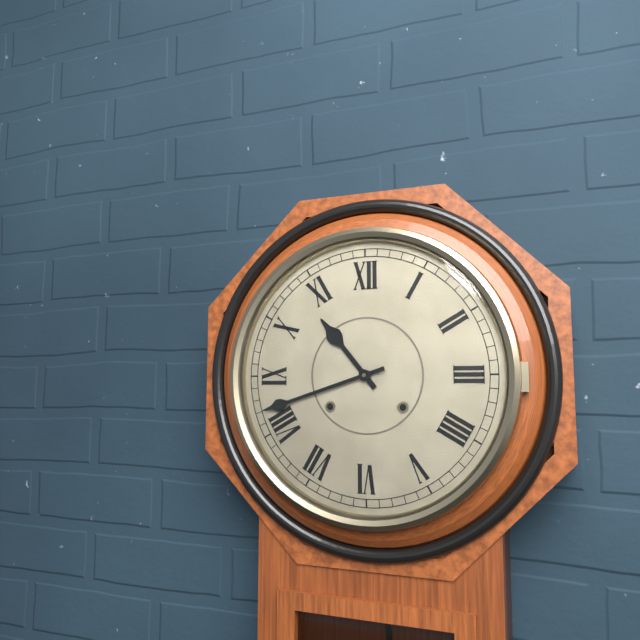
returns 10,42
